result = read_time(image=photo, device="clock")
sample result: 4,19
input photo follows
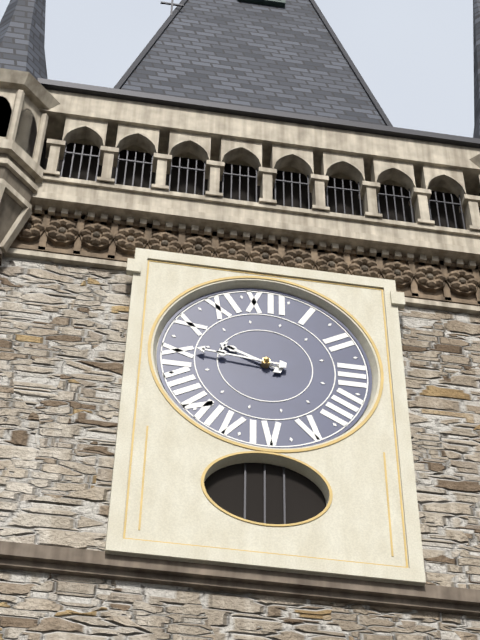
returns 9,46
